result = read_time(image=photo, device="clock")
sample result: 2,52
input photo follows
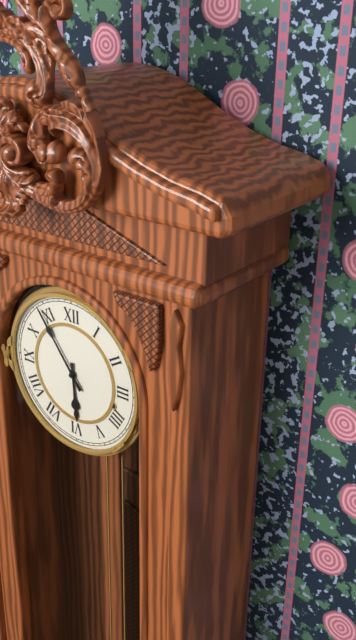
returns 5,54
